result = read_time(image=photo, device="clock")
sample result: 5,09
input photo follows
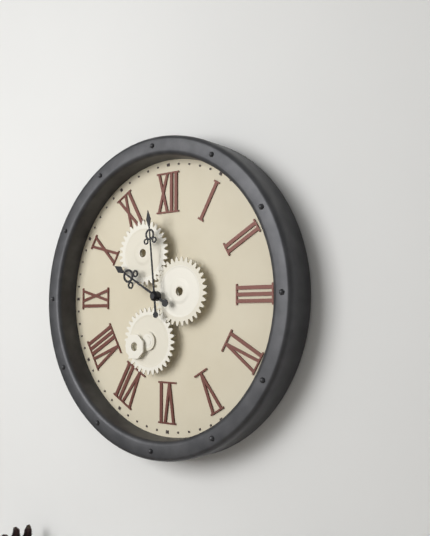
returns 9,59
